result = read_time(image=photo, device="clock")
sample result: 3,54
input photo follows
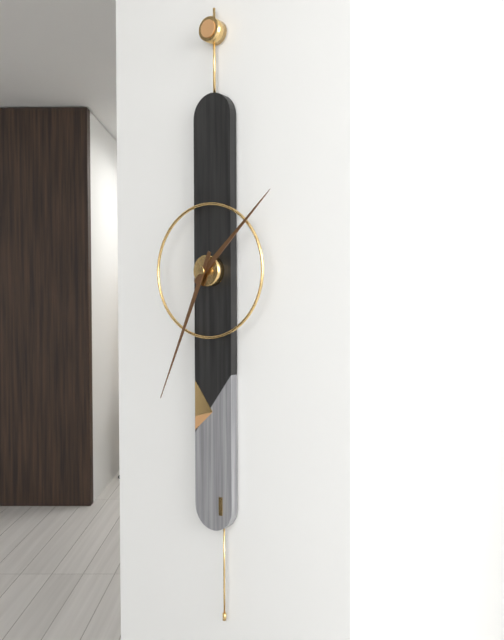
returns 1,34
